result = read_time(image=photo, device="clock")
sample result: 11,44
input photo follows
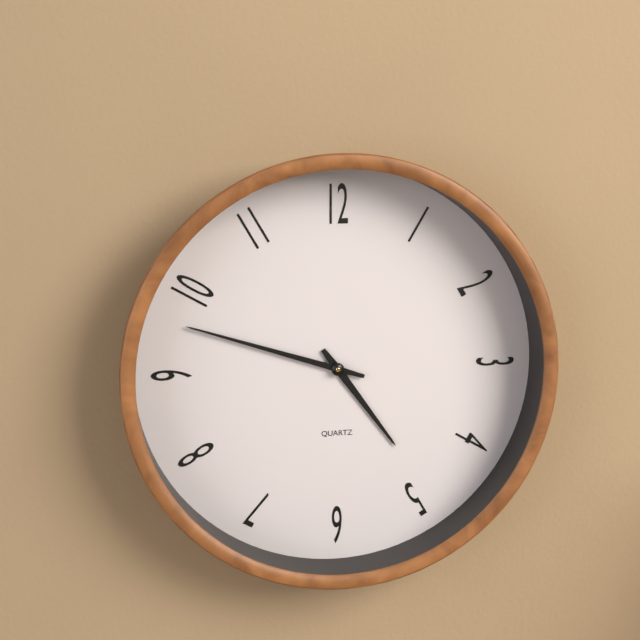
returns 4,48
